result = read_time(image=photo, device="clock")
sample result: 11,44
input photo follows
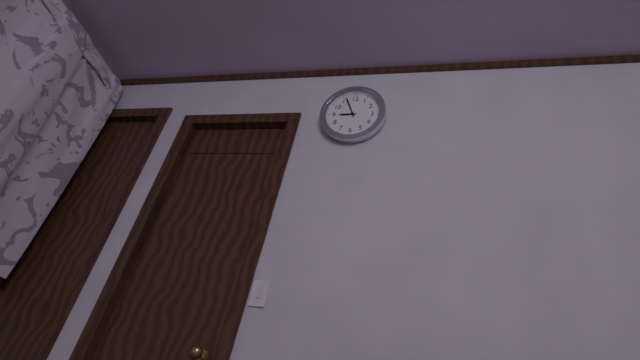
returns 8,56
